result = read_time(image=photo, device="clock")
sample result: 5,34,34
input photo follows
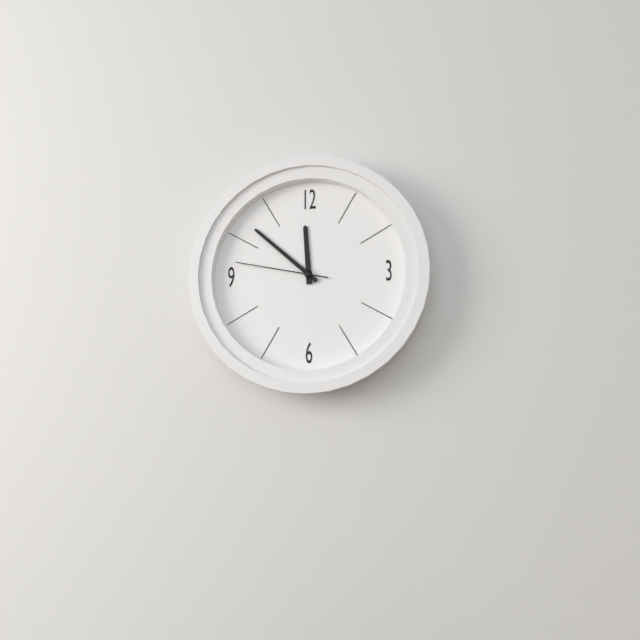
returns 11,52,47
